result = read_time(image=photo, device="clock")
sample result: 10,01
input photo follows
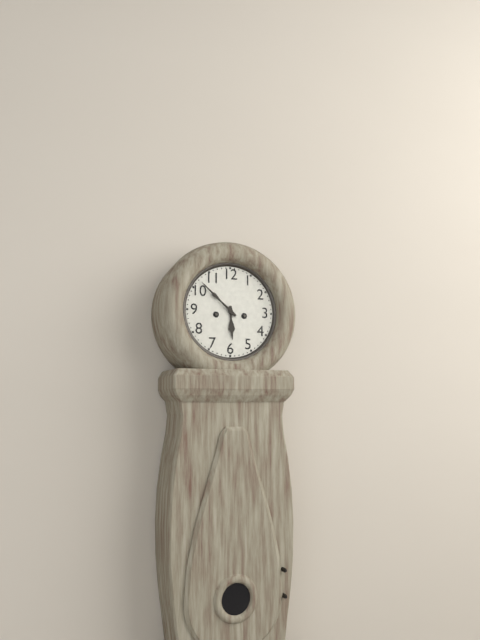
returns 5,52
